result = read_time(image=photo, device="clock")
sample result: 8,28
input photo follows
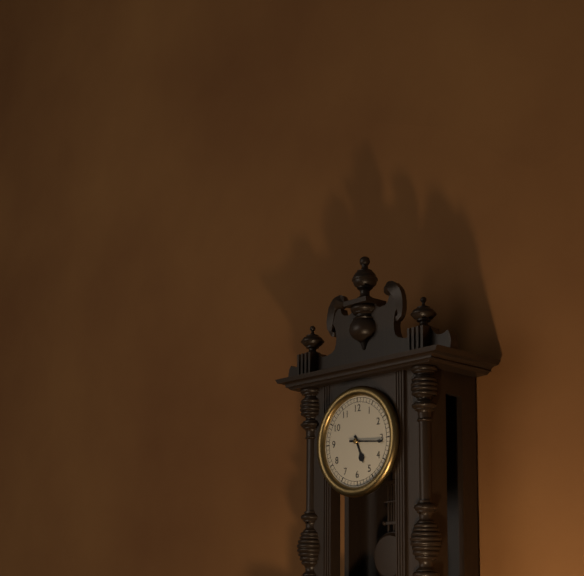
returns 5,16
